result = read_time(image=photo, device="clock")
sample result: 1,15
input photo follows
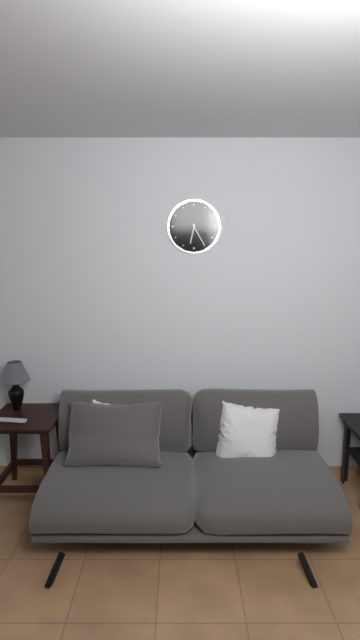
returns 6,25
